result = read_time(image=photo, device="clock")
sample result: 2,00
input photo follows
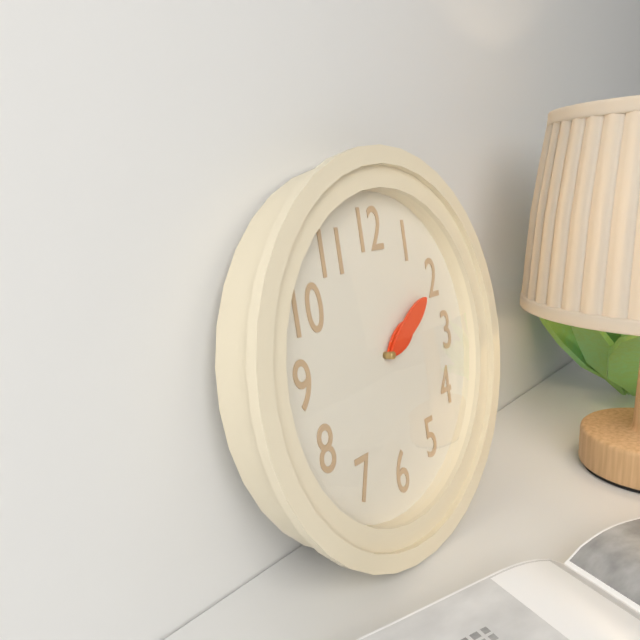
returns 2,10
